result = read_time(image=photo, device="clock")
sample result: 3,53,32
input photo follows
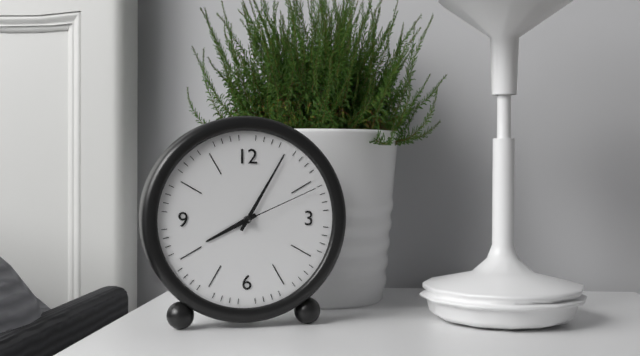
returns 8,05,11
